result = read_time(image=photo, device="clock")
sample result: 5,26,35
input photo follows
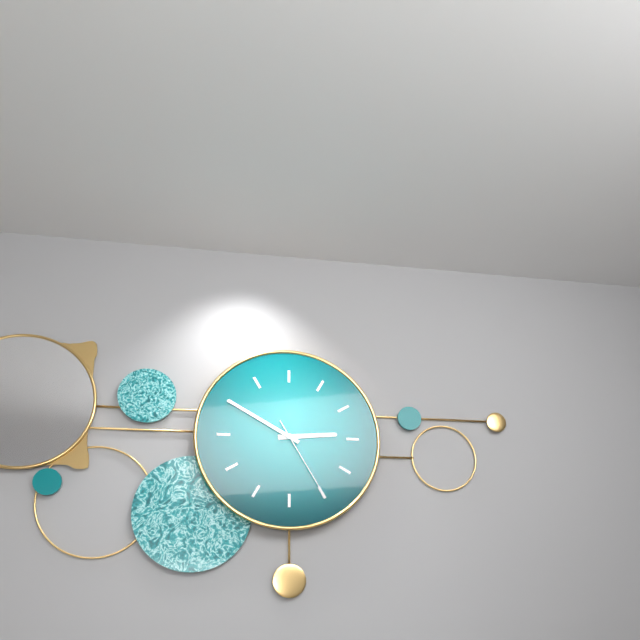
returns 2,50,25
